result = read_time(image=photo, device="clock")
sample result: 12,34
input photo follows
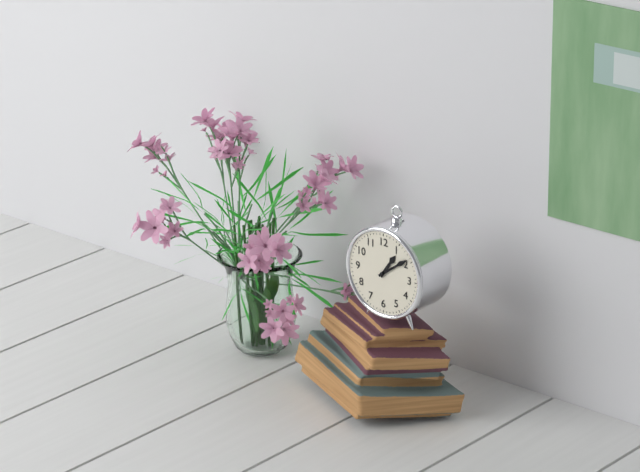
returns 1,09
